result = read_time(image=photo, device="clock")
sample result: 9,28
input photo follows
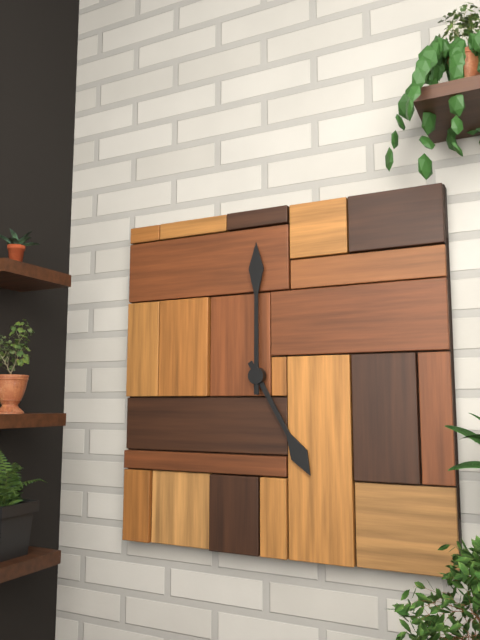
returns 5,00
